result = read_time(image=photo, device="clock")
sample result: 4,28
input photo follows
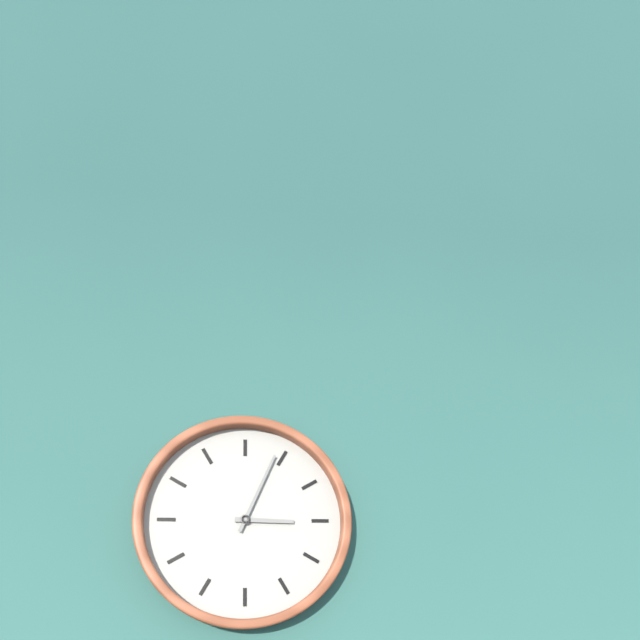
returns 3,04
